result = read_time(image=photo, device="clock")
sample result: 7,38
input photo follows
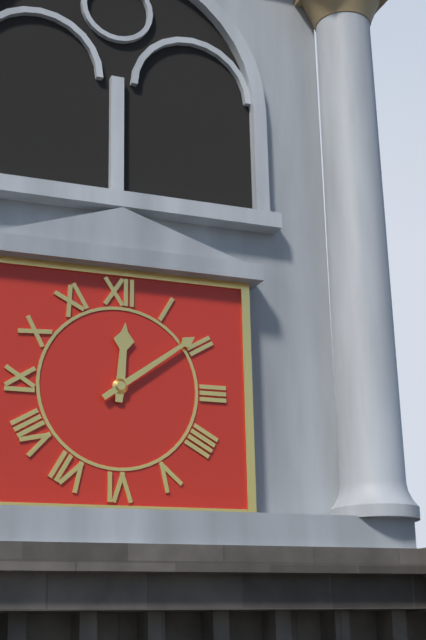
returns 12,09
